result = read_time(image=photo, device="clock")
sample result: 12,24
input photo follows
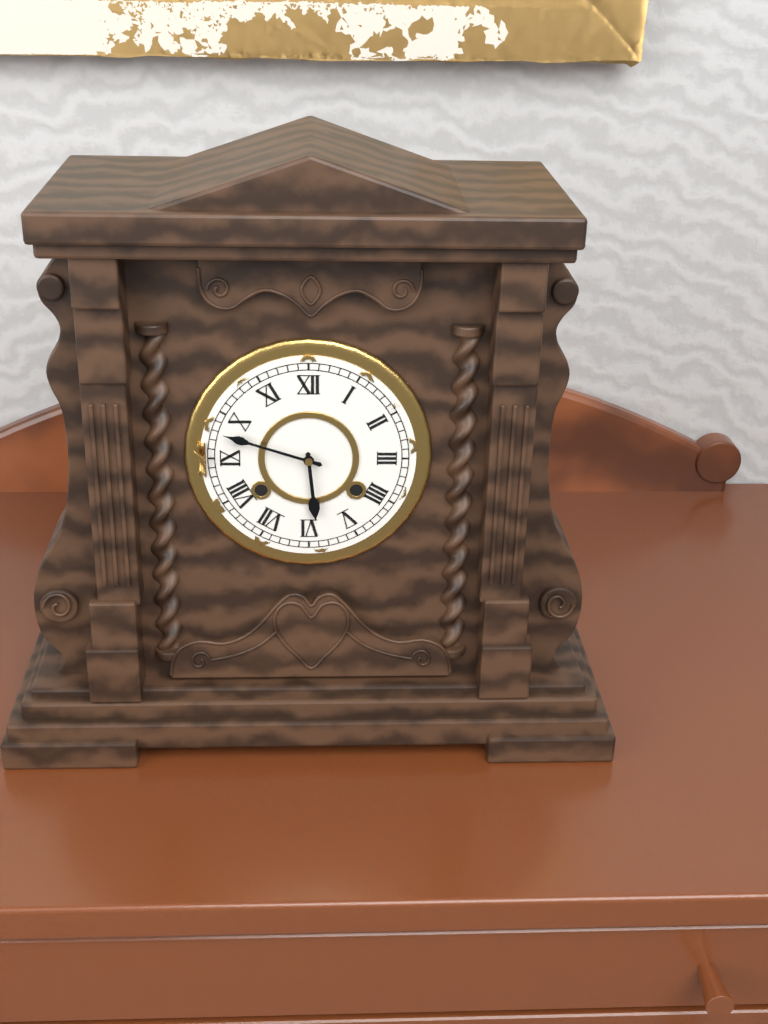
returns 5,48
